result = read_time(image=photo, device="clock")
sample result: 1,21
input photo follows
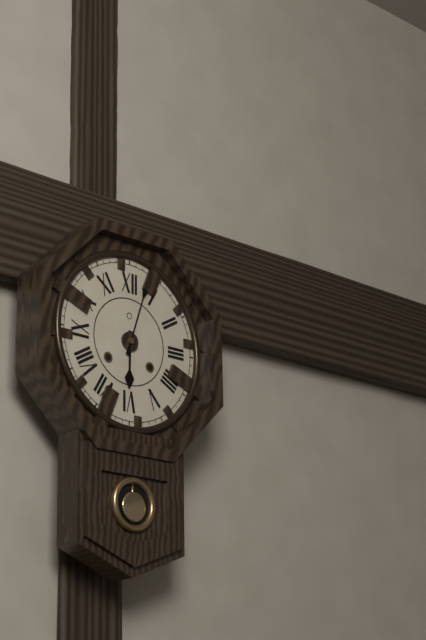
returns 6,03
